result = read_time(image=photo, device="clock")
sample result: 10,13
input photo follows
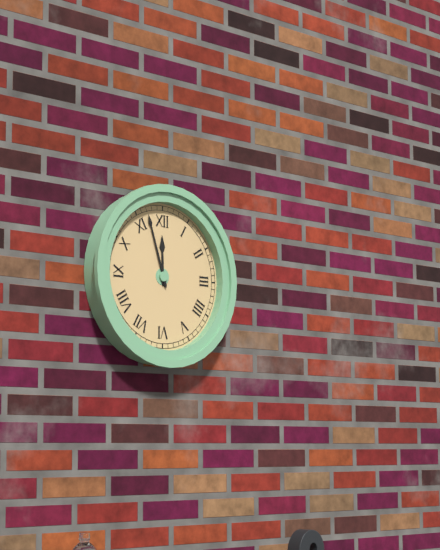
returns 11,57
